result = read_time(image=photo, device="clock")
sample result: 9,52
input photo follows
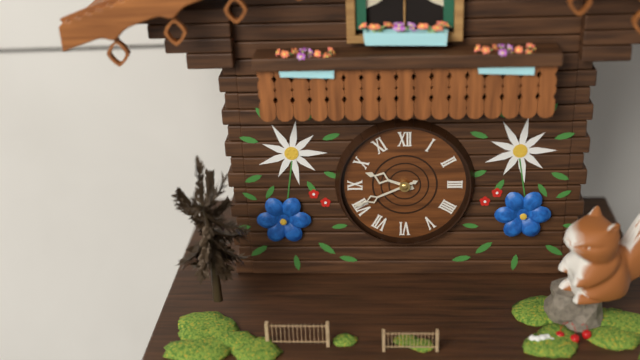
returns 9,41
